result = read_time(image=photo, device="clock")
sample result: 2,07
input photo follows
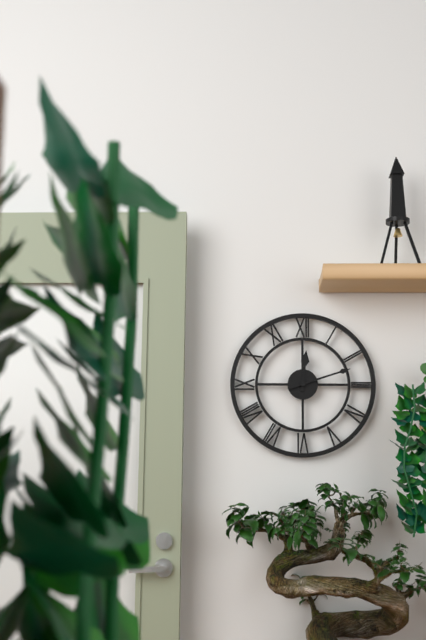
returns 12,12
